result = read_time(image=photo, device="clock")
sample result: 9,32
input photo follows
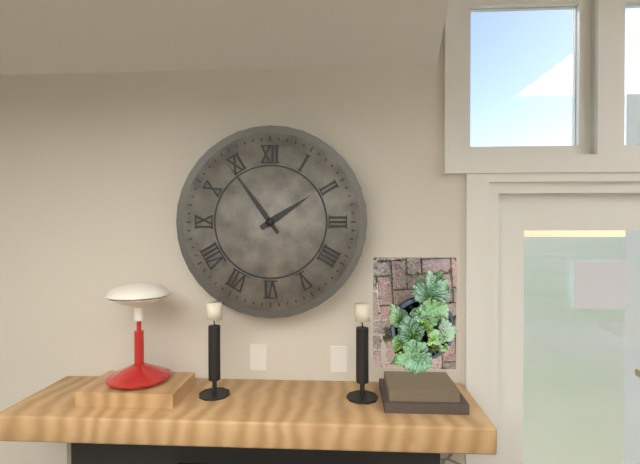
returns 1,54
